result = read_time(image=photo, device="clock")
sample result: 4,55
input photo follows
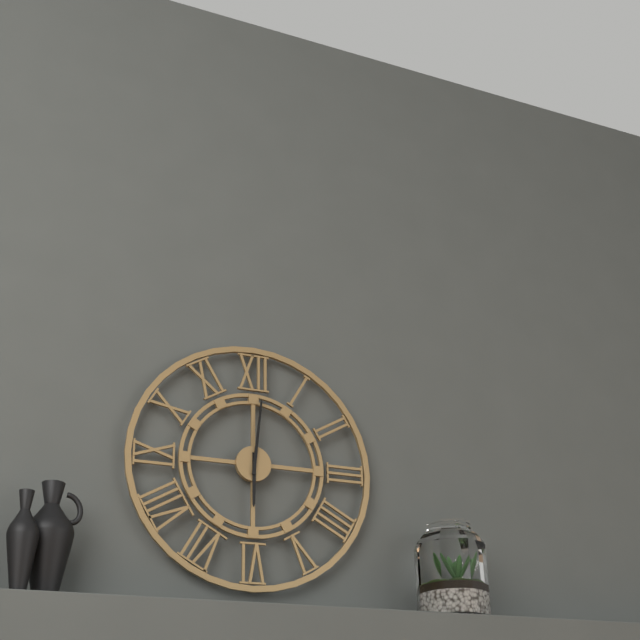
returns 6,01
